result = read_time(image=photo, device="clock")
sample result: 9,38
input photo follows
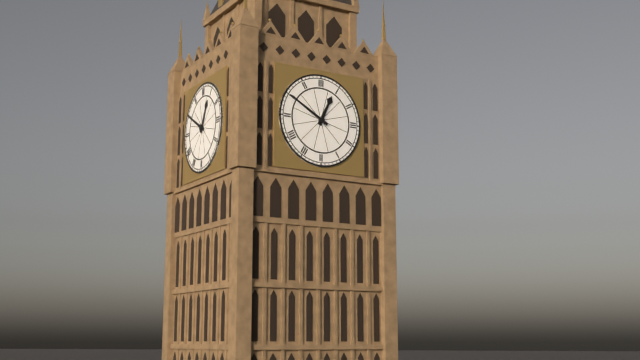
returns 12,50
